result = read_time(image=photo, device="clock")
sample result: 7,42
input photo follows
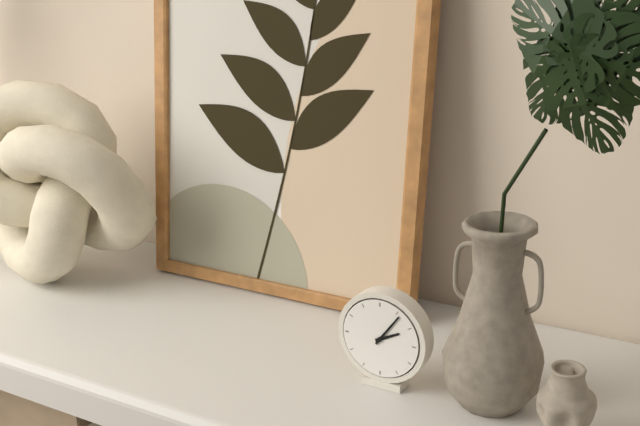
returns 2,06
